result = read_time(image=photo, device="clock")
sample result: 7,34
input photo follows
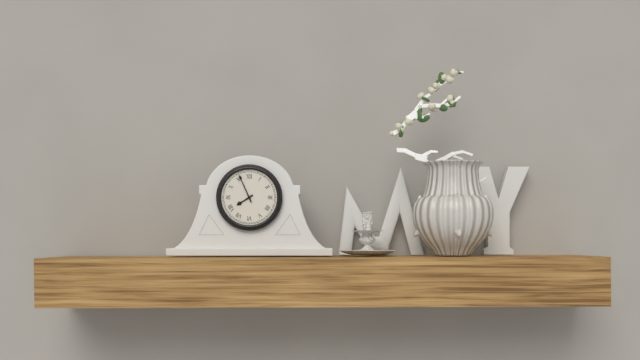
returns 7,56
